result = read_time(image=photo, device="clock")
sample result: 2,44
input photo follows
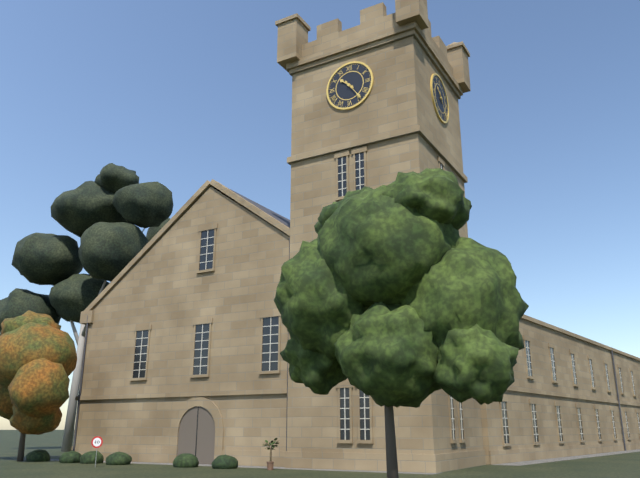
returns 10,24
